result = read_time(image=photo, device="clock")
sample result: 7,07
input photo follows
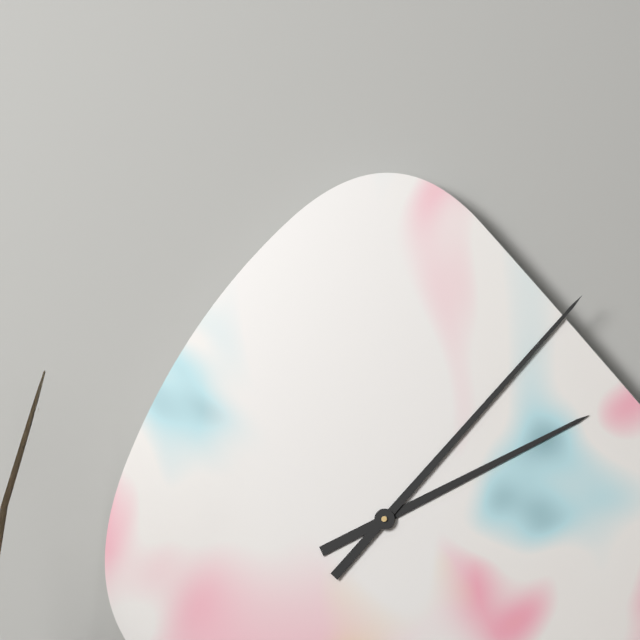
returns 2,07
